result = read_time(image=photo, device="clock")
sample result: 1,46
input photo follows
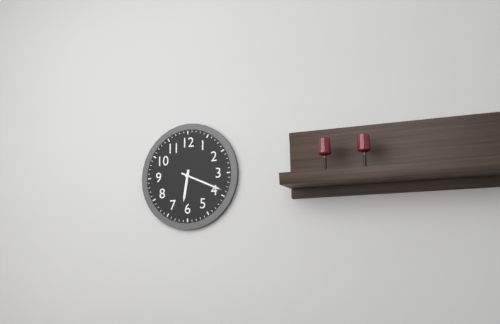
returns 6,19
